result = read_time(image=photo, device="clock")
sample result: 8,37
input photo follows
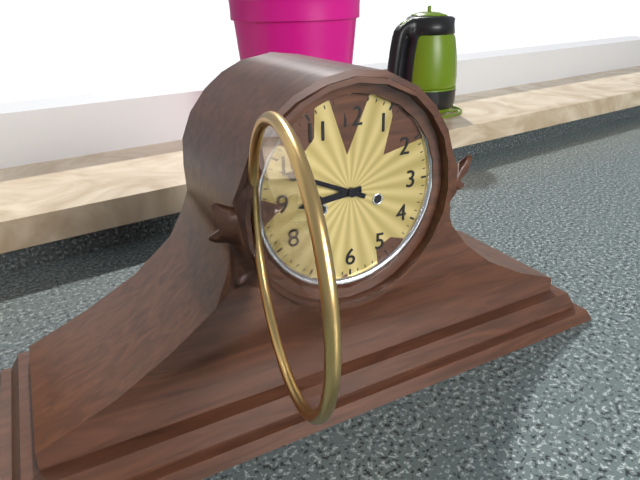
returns 8,49
